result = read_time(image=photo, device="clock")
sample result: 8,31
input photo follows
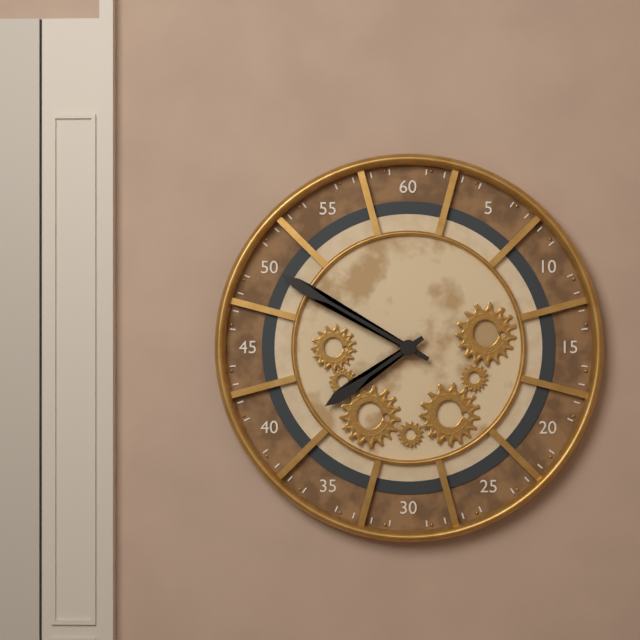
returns 7,50
